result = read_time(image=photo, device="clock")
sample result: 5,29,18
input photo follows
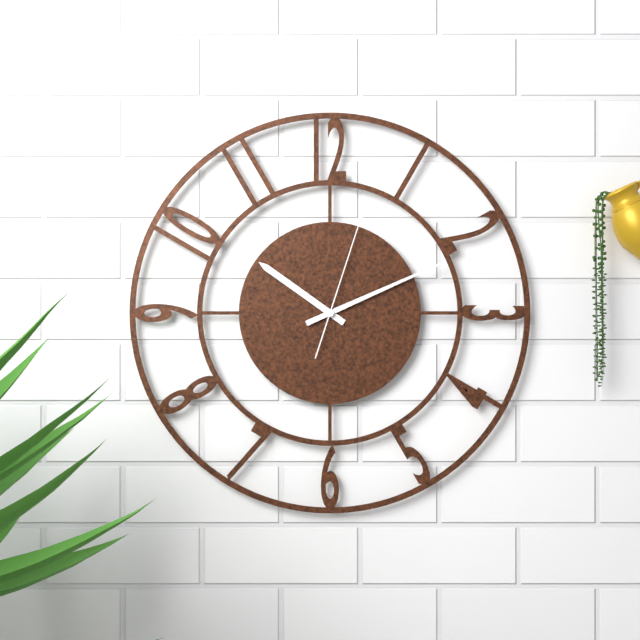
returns 10,11,03
